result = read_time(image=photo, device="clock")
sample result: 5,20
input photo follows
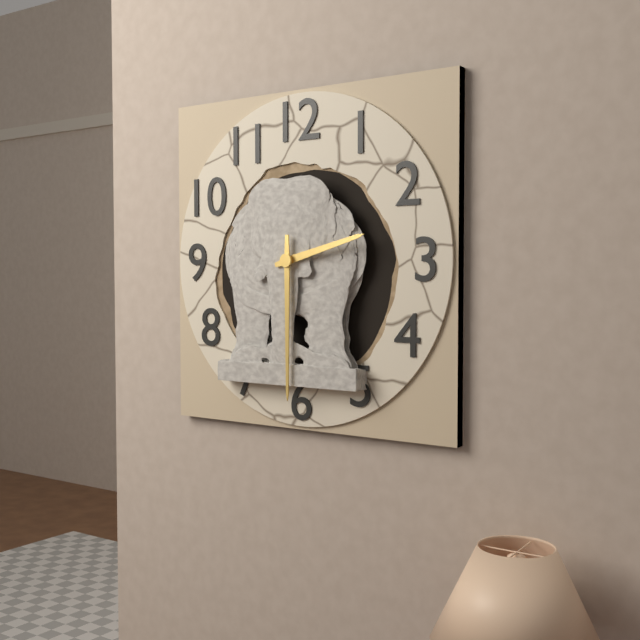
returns 2,30
